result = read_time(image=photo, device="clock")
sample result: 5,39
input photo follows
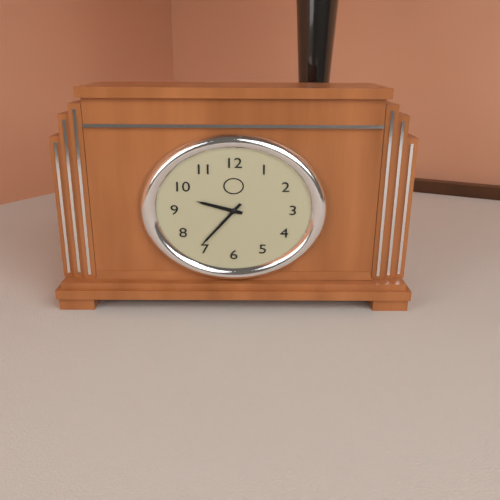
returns 9,36
